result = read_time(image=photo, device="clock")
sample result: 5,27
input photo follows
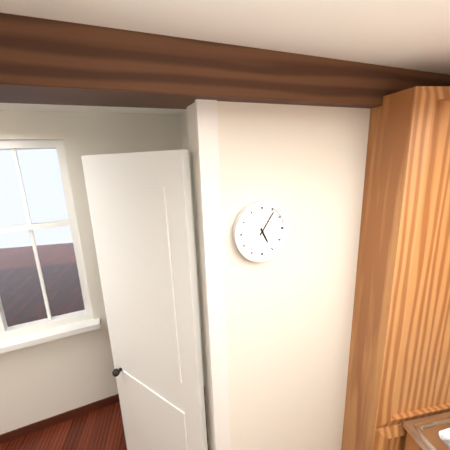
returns 5,06
